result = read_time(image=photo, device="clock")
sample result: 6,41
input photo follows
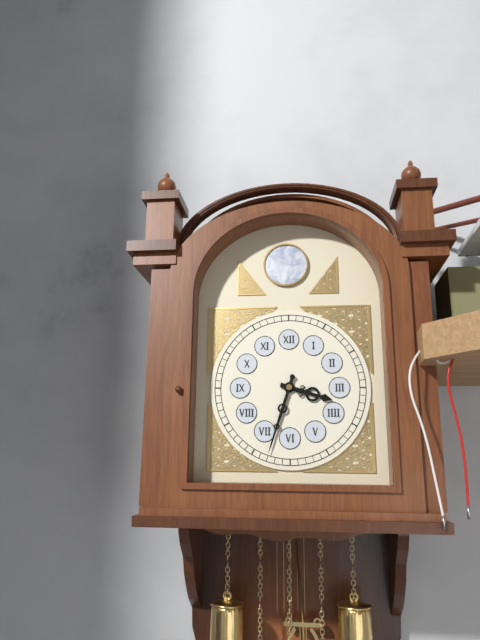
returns 3,33
